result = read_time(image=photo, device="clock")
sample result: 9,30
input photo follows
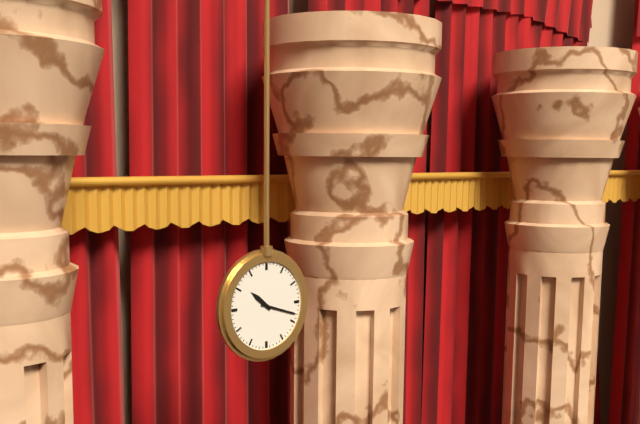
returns 10,18
